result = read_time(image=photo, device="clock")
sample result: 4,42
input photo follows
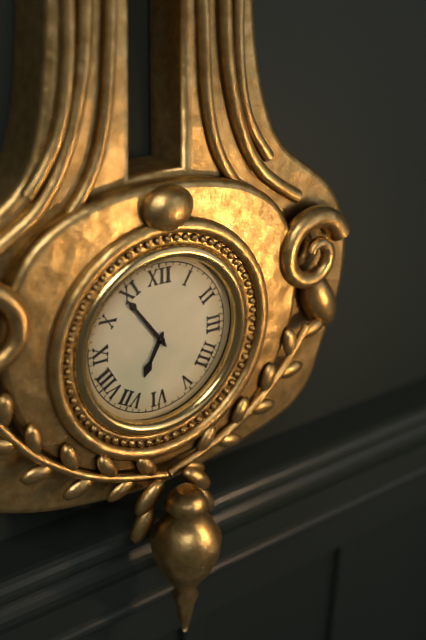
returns 6,54
